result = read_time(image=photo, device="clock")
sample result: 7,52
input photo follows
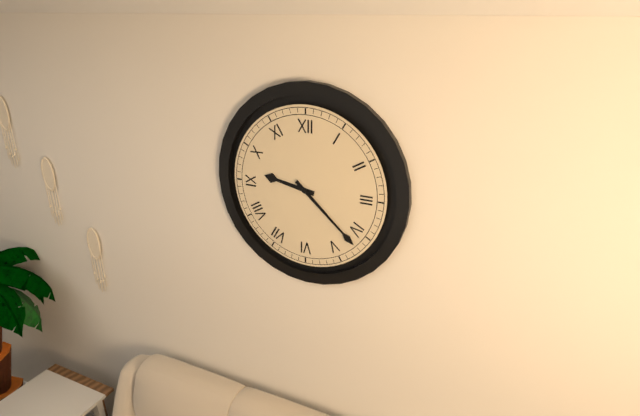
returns 9,22
